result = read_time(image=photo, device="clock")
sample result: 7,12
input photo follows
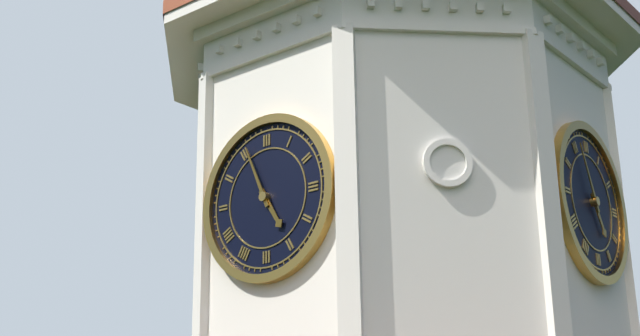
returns 4,56
